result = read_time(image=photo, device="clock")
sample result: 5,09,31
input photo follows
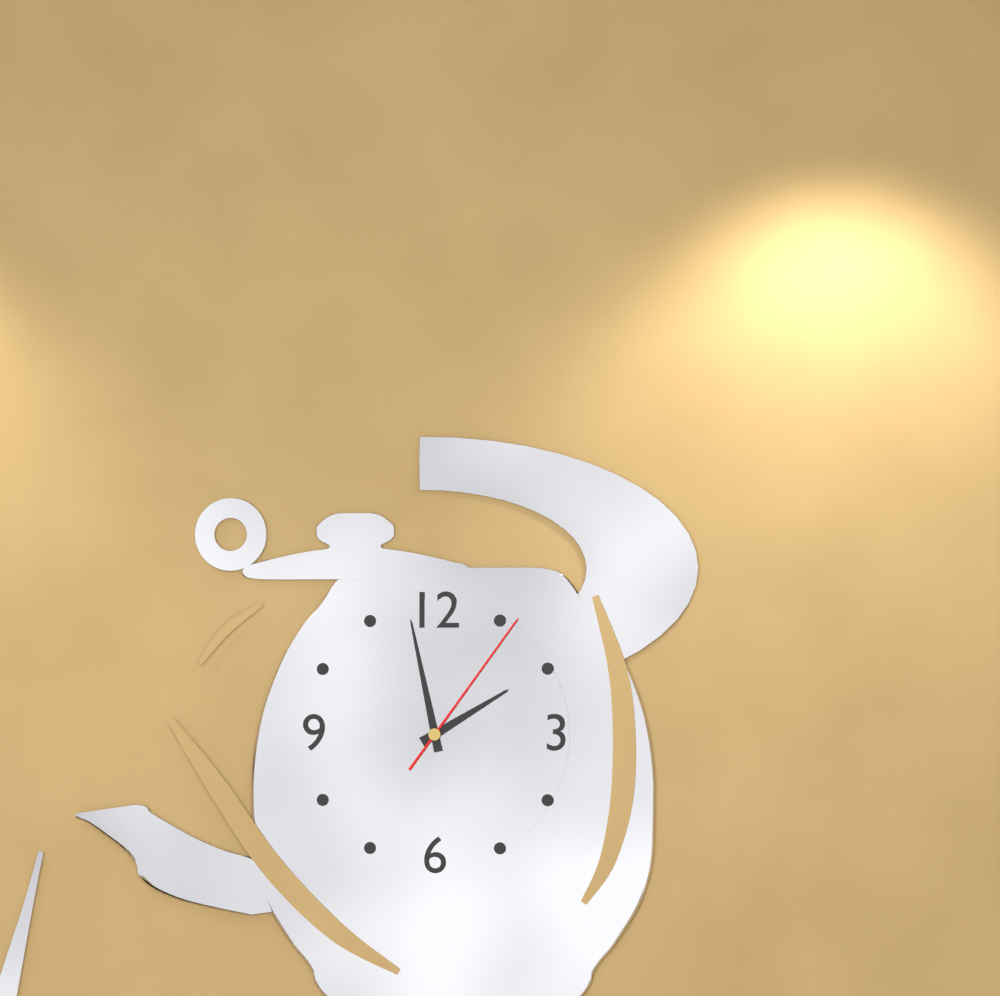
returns 1,58,06
